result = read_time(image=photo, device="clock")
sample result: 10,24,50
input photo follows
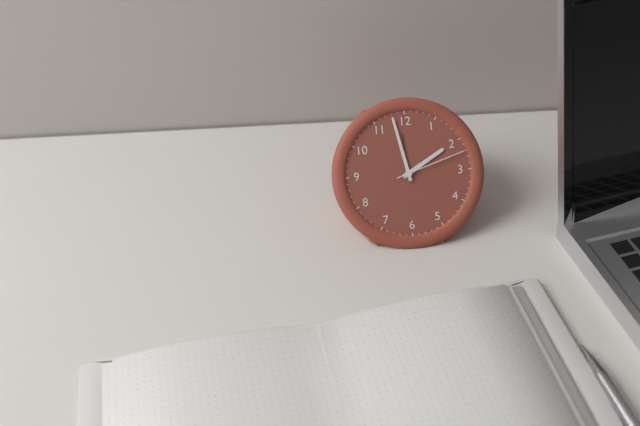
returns 1,58,12
